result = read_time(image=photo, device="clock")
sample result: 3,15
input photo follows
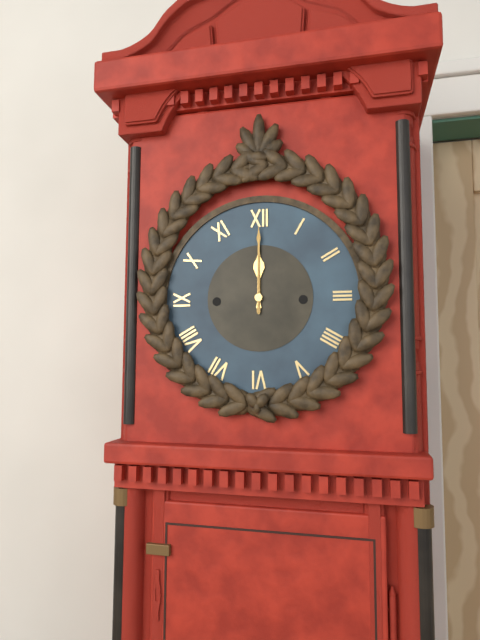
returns 12,00
